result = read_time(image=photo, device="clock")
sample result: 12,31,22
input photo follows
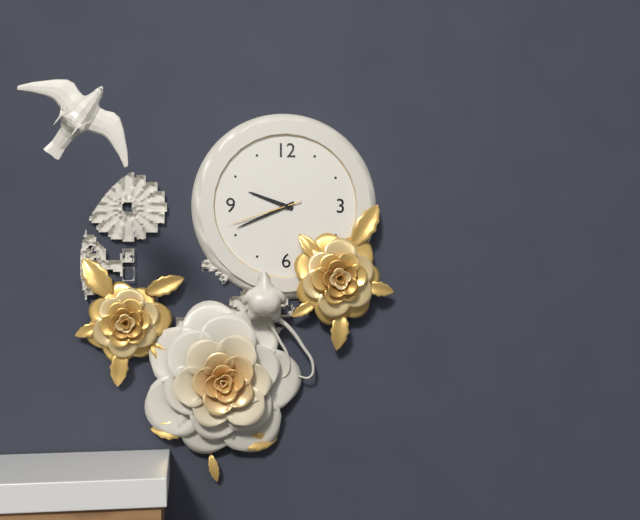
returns 9,41,42
